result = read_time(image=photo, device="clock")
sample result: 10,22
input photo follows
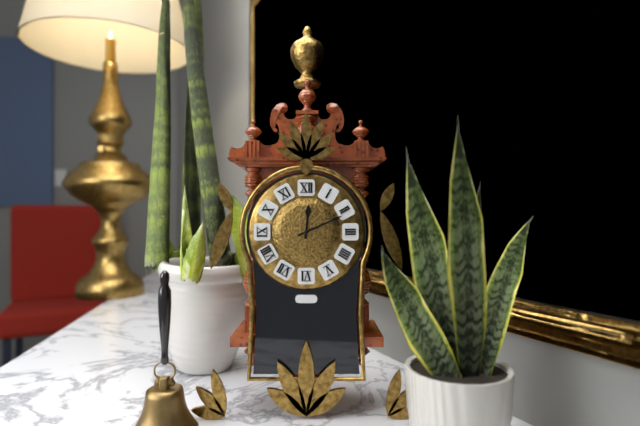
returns 12,11
